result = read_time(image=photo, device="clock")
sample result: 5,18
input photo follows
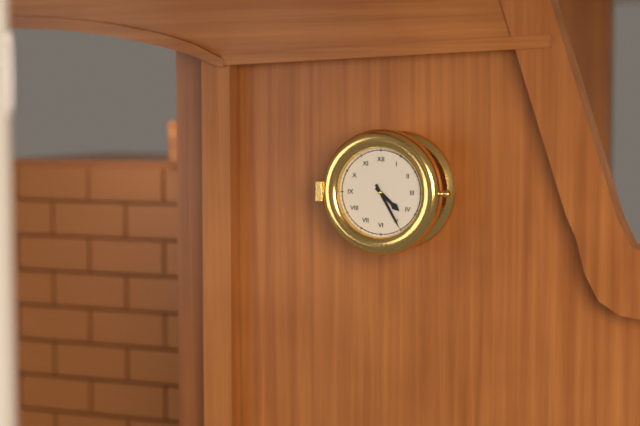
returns 4,25
